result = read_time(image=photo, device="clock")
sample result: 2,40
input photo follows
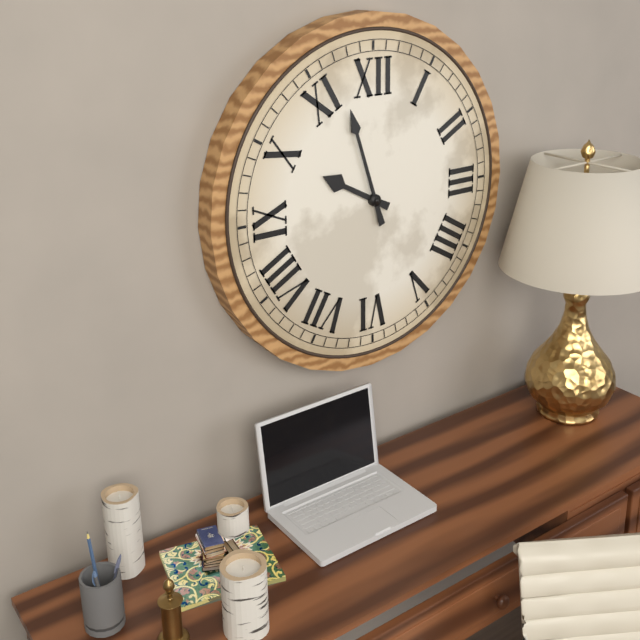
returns 9,57
